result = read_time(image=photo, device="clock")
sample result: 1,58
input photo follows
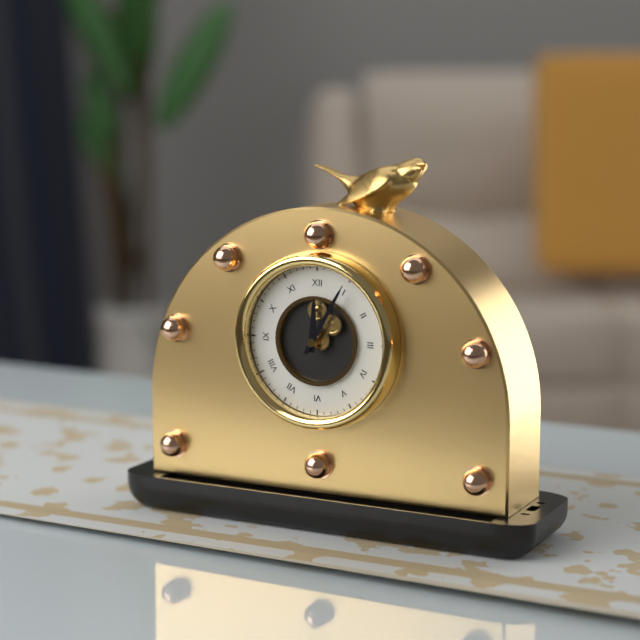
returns 12,05
